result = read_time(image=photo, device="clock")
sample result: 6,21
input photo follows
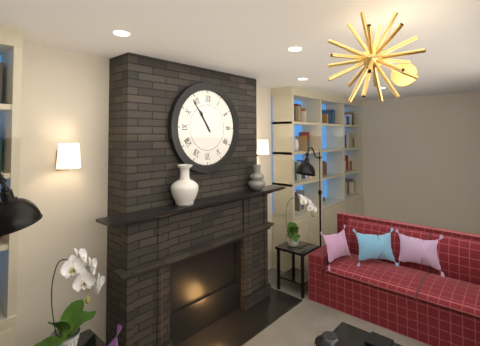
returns 10,54
